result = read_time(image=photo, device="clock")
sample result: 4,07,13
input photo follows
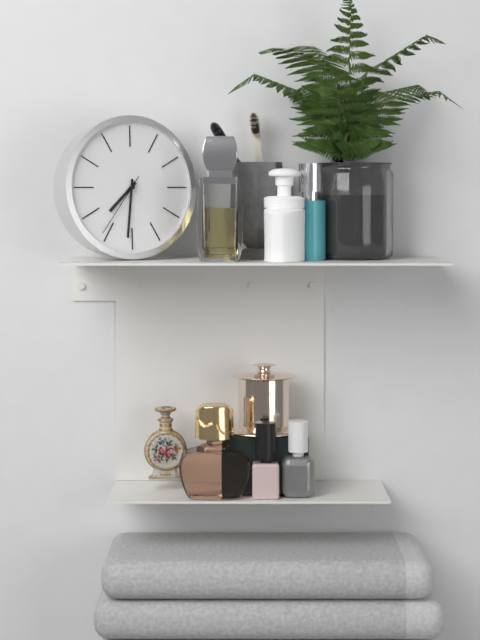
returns 7,31,36
